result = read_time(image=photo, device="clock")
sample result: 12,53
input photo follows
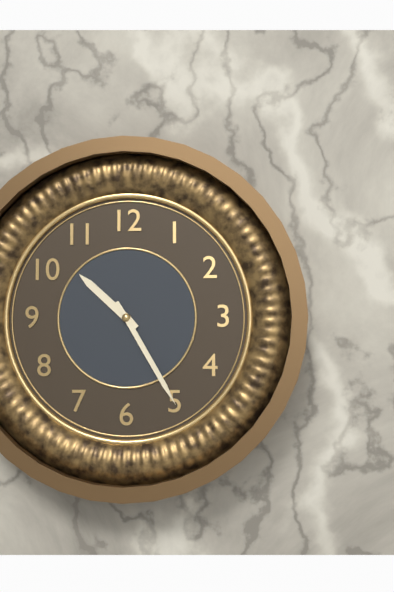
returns 10,25
